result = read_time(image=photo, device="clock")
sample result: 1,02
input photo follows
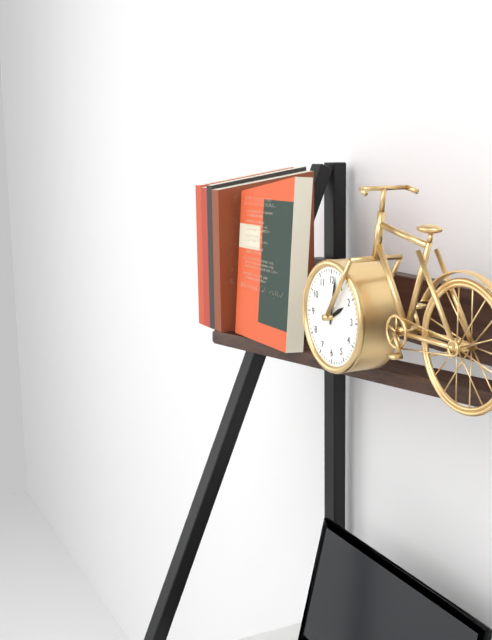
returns 2,02
